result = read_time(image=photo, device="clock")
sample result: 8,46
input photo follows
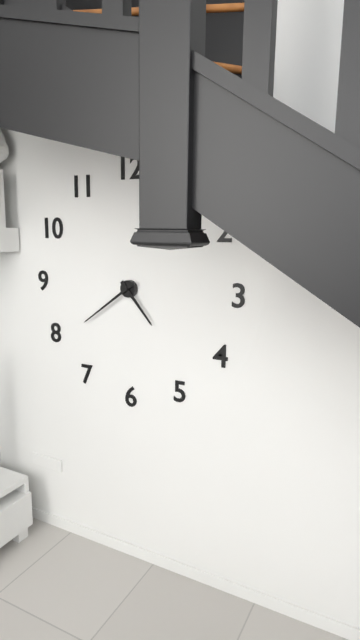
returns 4,39
